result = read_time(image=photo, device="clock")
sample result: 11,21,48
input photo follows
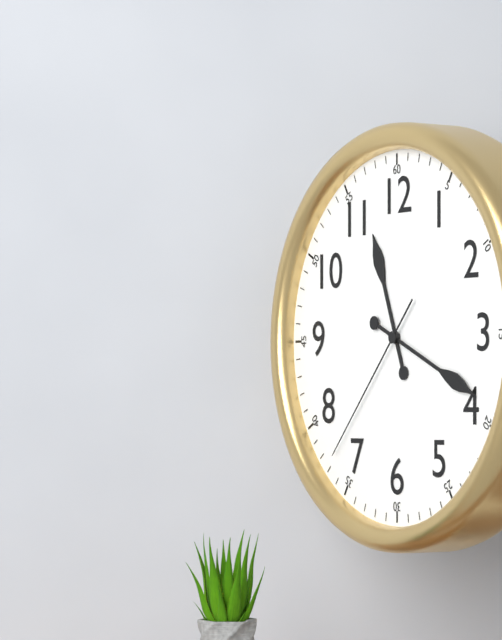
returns 11,19,37
